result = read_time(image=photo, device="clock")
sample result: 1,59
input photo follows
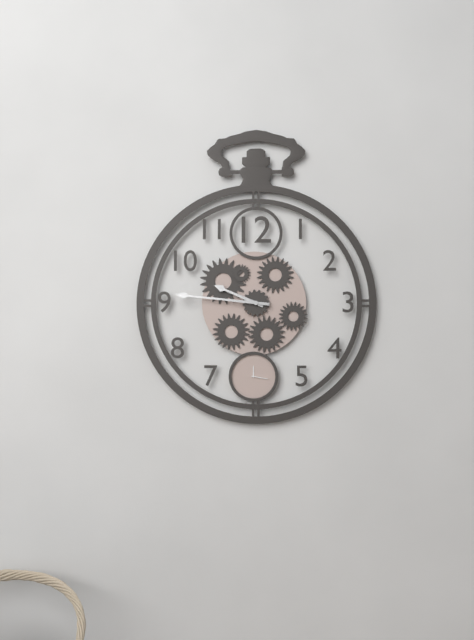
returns 9,46
